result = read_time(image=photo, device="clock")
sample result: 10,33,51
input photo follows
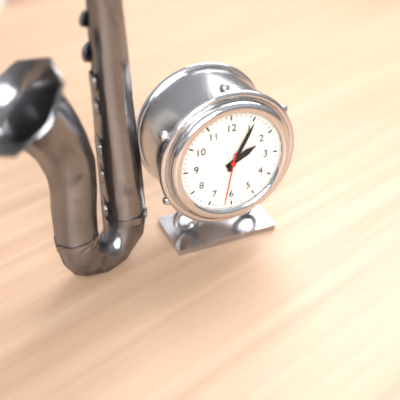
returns 2,05,32
